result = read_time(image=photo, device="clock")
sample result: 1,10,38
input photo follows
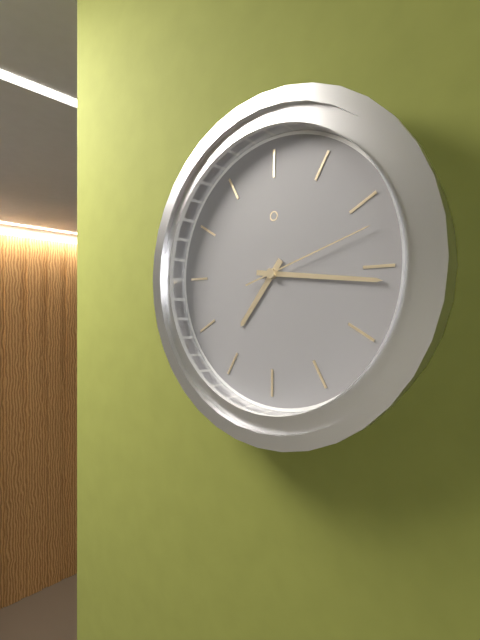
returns 7,16,12
